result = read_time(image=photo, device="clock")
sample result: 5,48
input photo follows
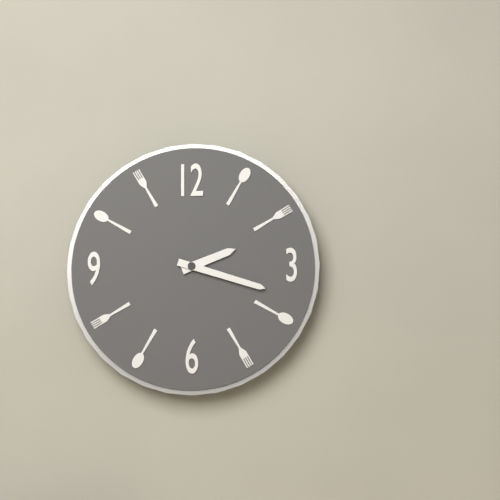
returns 2,18
